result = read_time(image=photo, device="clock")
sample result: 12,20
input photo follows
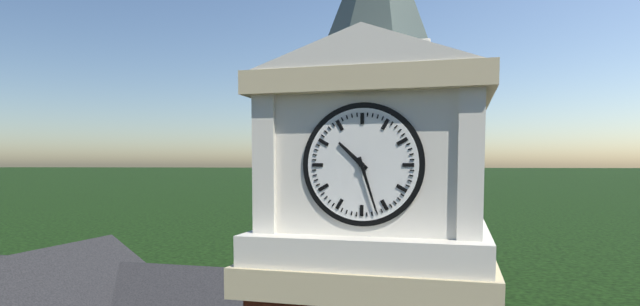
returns 10,27
